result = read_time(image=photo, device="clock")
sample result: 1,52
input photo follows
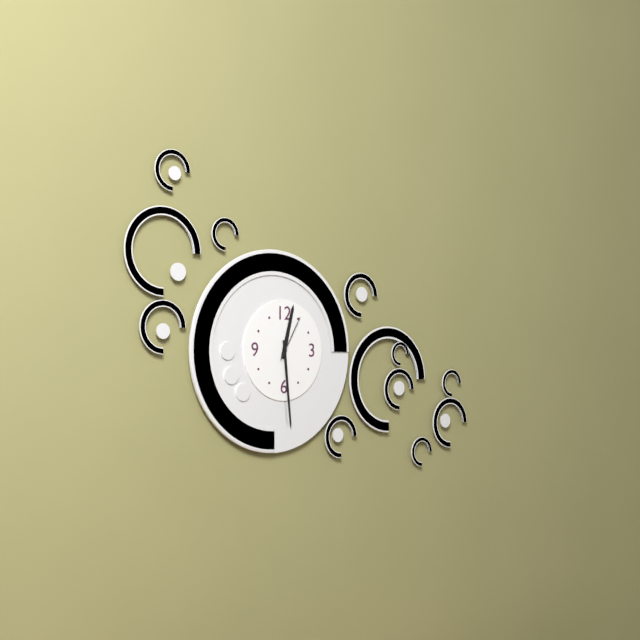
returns 12,29
